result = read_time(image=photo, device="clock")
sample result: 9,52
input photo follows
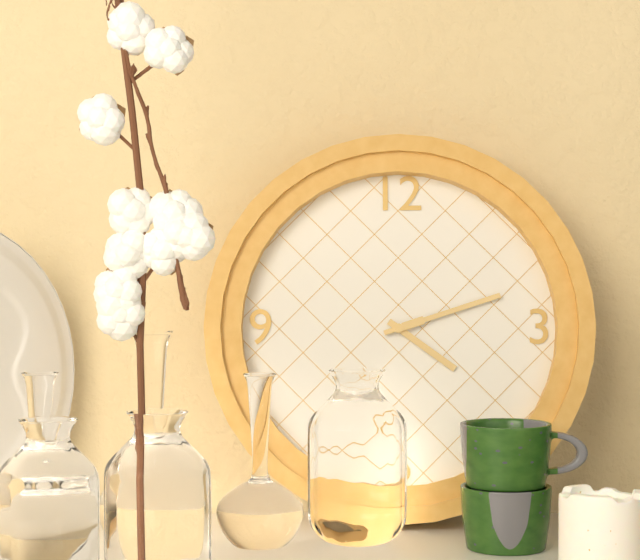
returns 4,12
